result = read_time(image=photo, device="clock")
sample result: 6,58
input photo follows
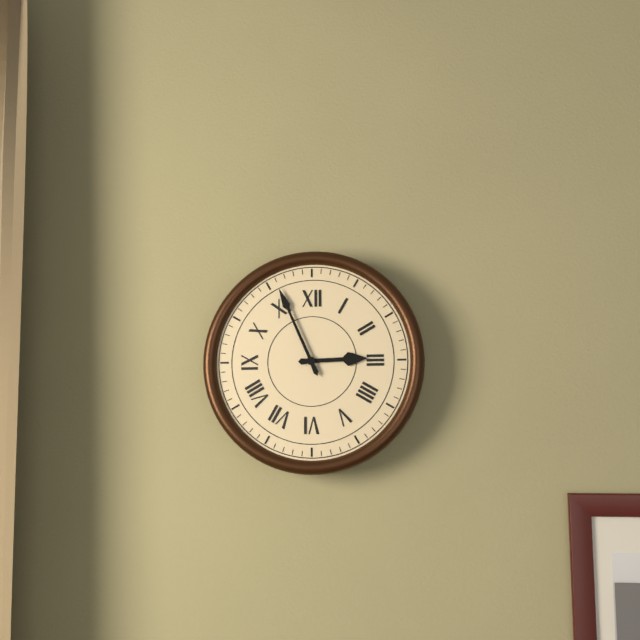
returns 2,56
